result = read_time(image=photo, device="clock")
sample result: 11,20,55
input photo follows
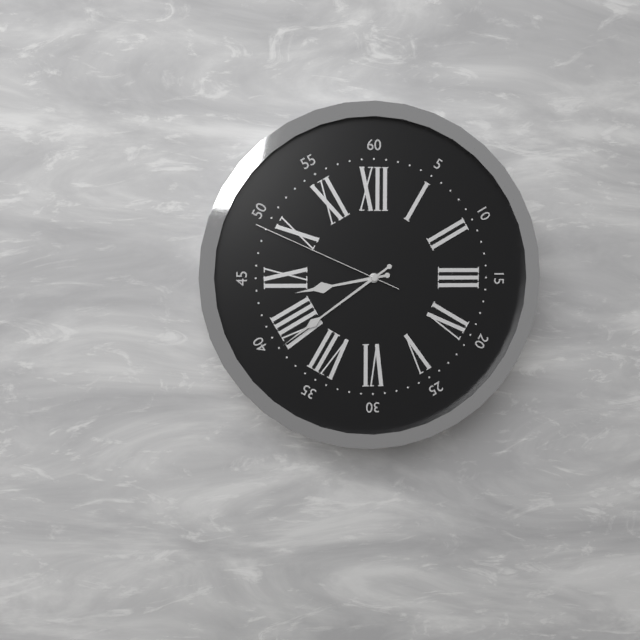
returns 8,39,49
